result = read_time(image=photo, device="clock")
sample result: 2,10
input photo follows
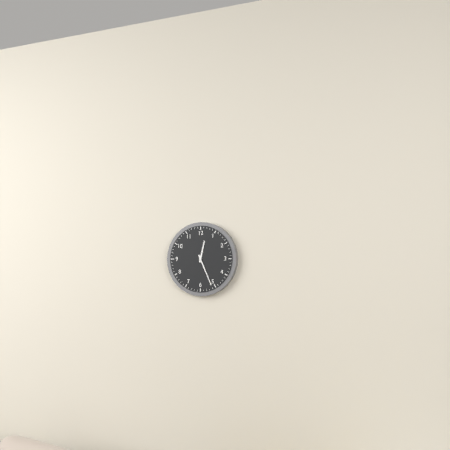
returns 12,26
